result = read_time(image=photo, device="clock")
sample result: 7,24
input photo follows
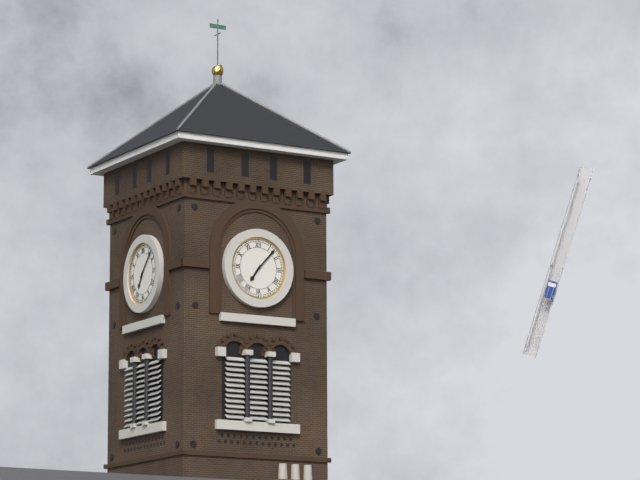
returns 7,07
